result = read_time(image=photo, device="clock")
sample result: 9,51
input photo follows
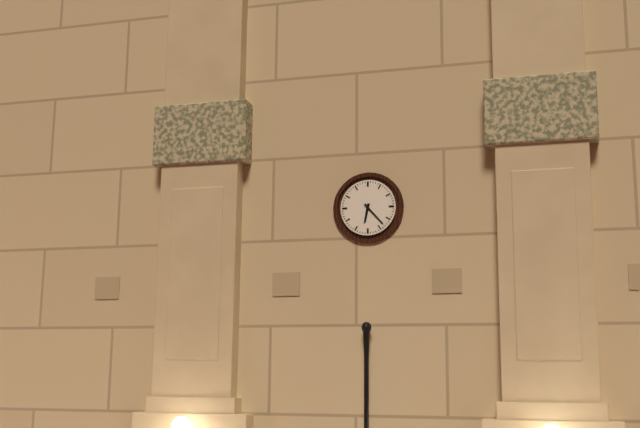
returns 6,23
